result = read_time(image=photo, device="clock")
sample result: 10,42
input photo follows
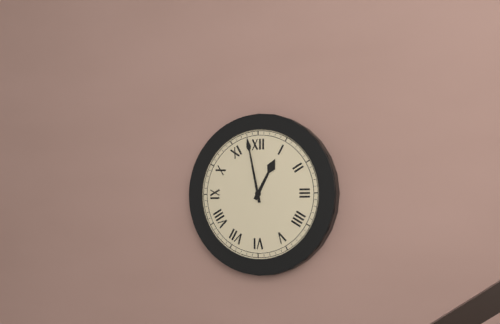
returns 12,58
